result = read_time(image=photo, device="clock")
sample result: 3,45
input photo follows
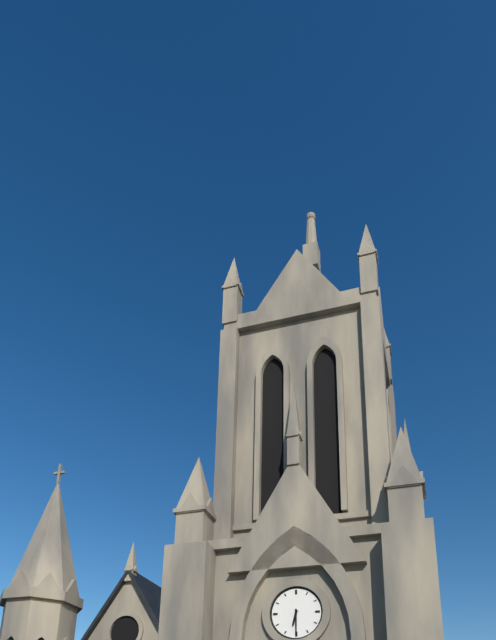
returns 6,30
